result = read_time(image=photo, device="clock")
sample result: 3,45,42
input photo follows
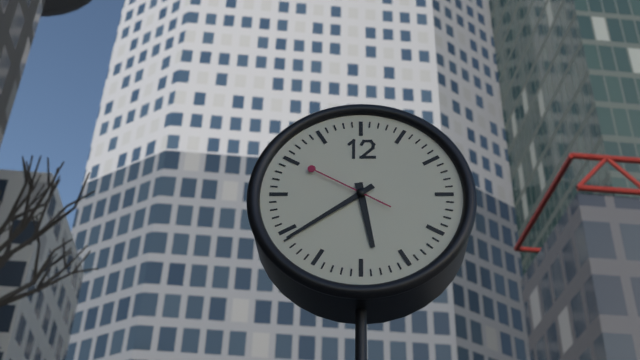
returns 5,39,50
